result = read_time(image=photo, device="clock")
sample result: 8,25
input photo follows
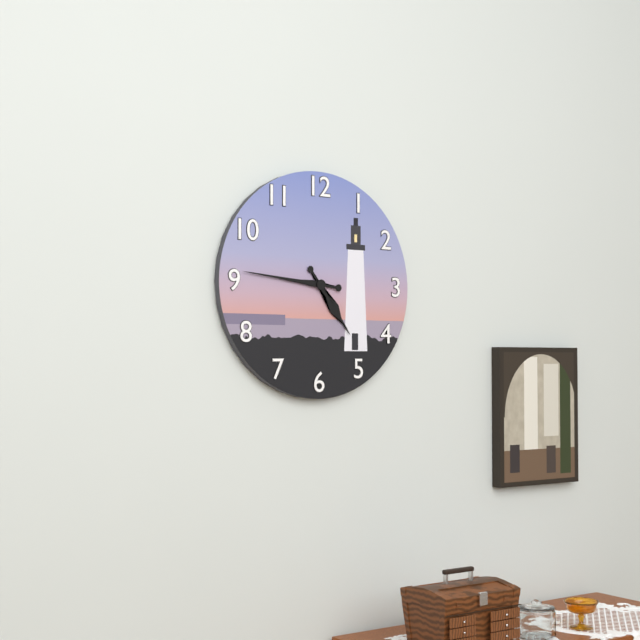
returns 4,46
